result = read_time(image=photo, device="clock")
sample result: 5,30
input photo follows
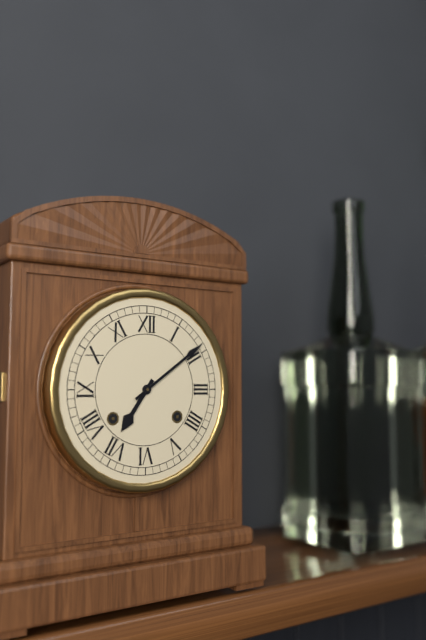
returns 7,09
